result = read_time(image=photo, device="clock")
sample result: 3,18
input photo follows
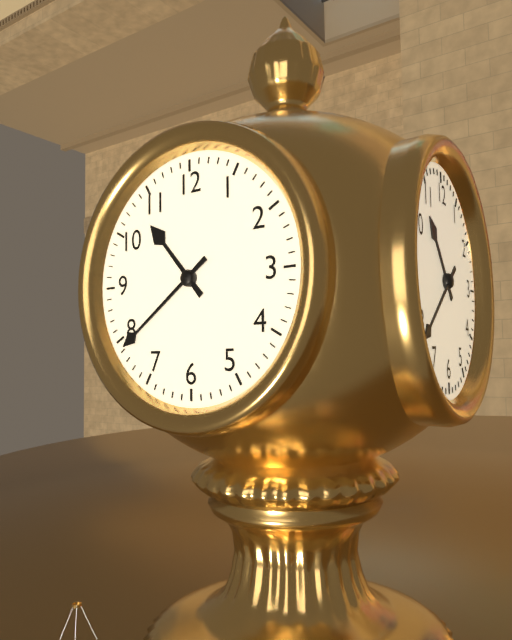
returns 10,39
